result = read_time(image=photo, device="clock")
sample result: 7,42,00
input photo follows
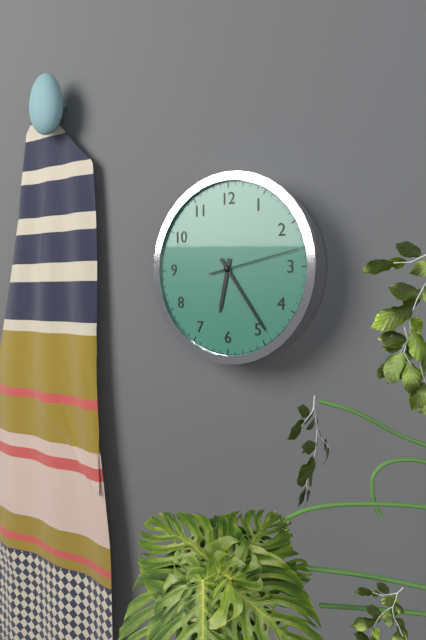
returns 6,24,13
